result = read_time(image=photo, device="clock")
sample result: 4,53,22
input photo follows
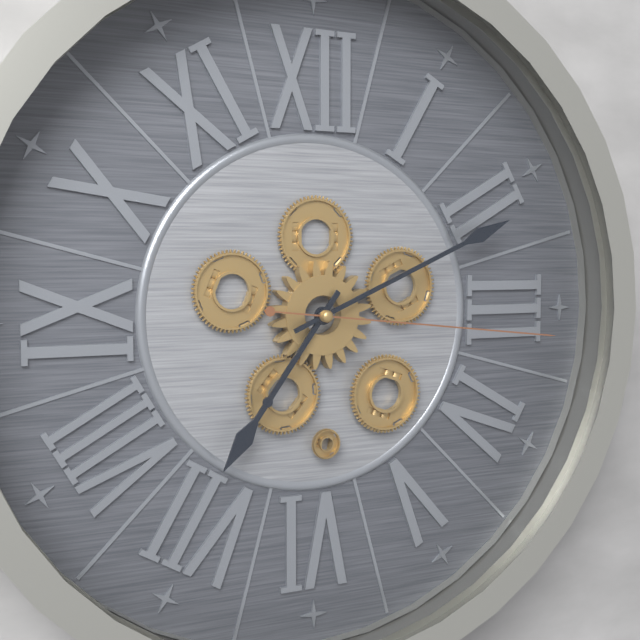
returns 7,11,16
